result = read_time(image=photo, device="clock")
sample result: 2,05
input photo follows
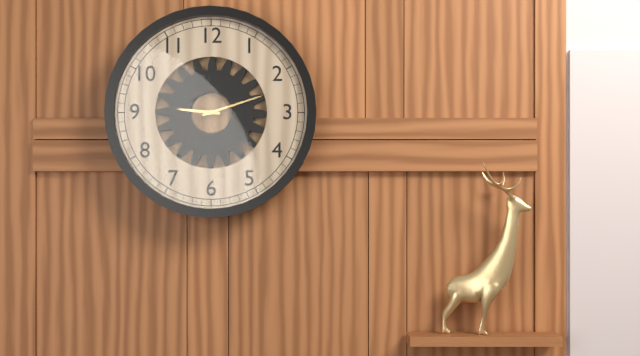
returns 9,12
